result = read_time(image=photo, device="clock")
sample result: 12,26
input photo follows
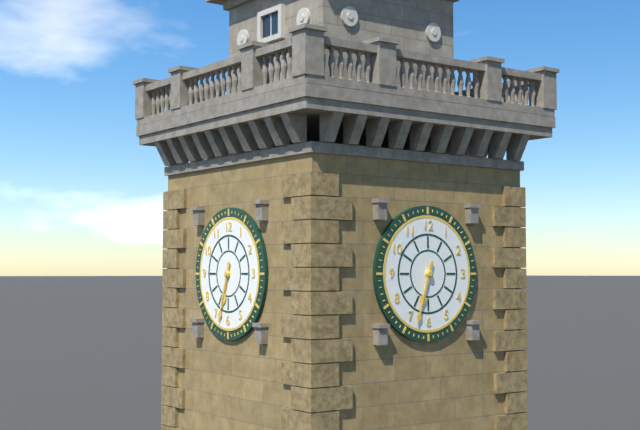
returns 6,33
